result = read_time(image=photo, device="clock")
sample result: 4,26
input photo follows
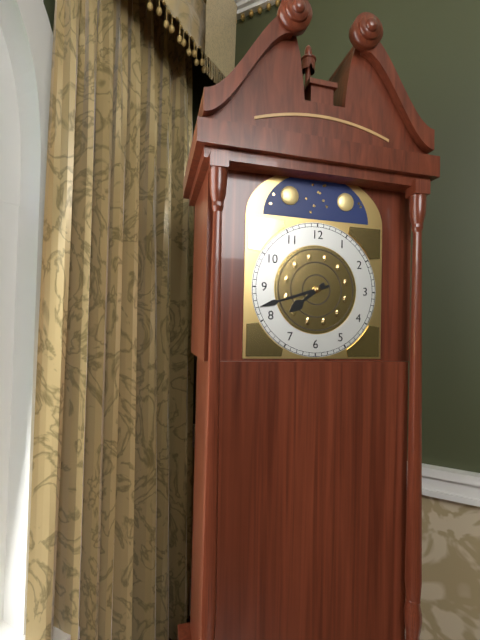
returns 7,42
